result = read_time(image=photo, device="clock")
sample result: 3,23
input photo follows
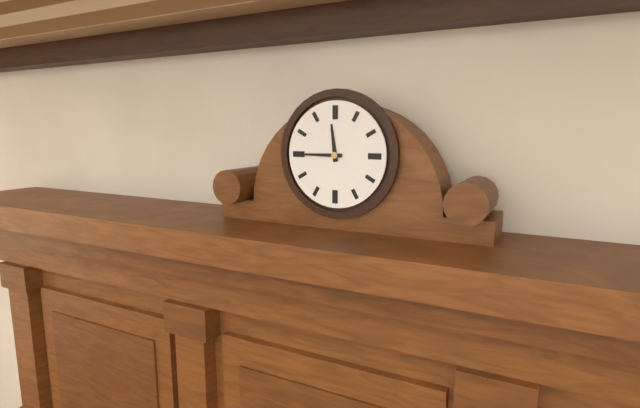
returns 11,45
